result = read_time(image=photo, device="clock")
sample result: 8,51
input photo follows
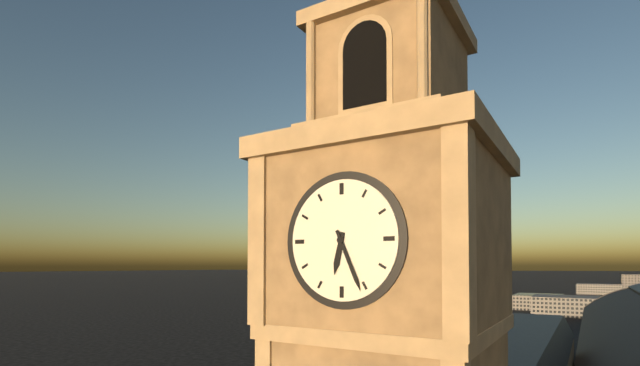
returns 6,26
